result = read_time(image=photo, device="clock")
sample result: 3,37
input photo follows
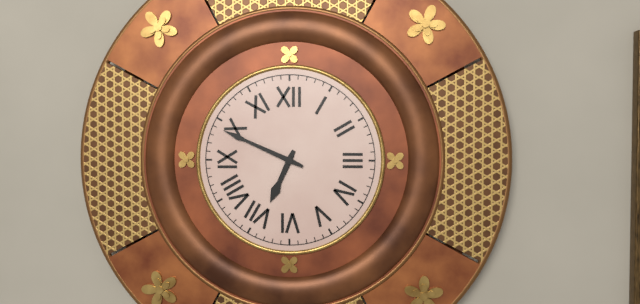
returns 6,49
